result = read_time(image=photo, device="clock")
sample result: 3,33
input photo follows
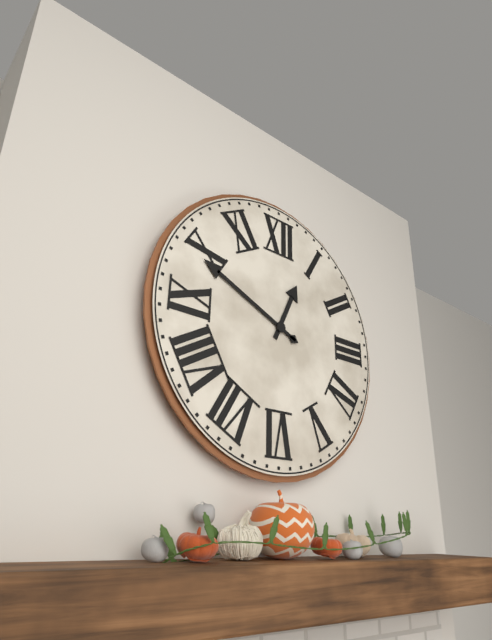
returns 12,49
